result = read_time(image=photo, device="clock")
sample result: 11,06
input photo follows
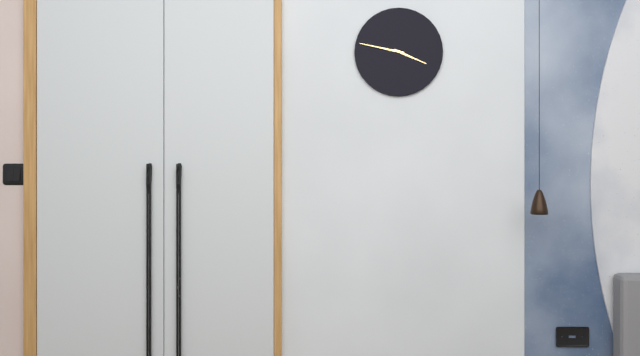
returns 3,47
